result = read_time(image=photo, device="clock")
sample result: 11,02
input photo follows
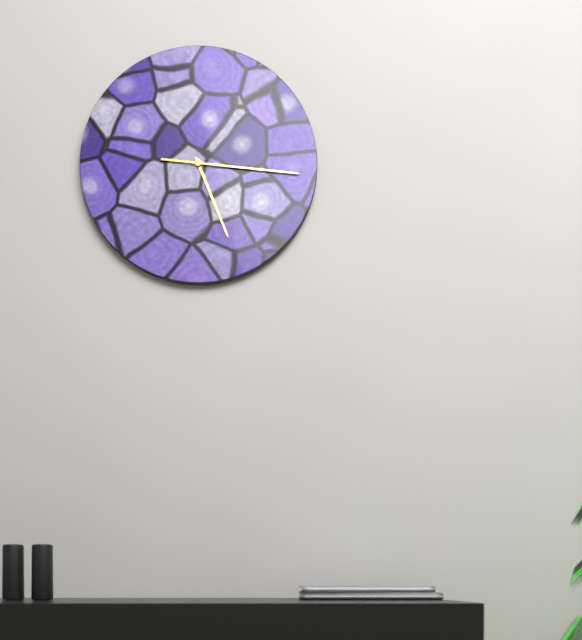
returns 5,16
